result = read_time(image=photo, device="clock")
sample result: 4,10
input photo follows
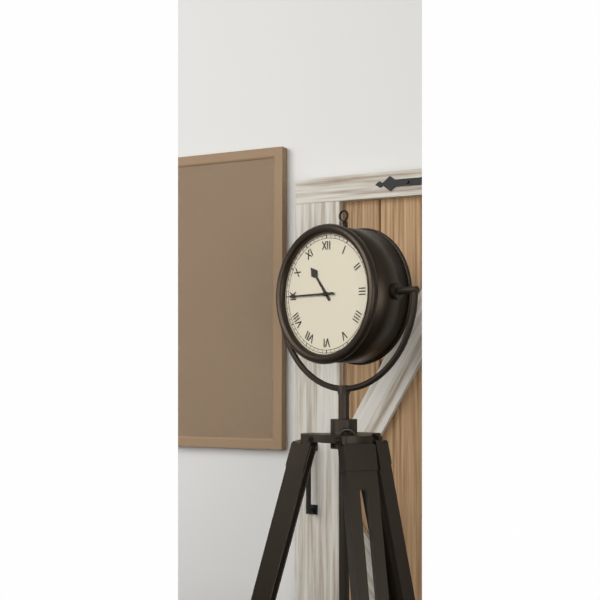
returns 10,45
